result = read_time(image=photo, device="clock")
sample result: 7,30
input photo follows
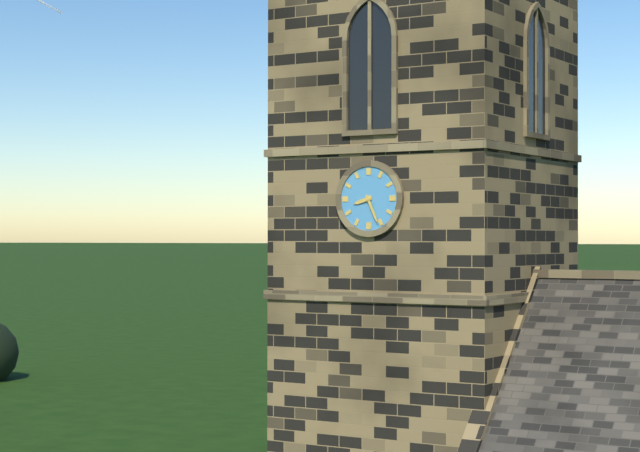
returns 8,26
